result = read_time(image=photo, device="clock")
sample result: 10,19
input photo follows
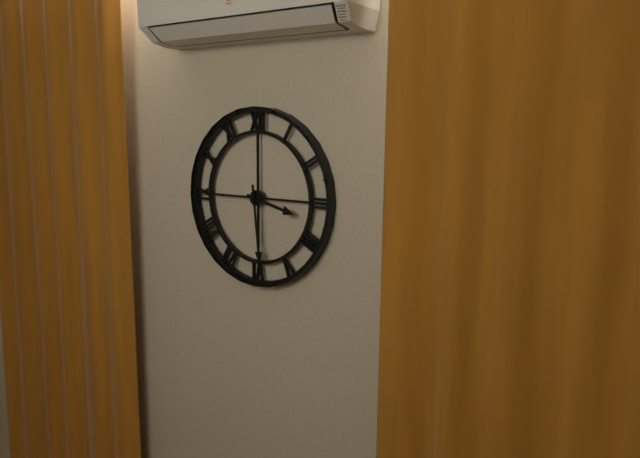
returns 3,29
